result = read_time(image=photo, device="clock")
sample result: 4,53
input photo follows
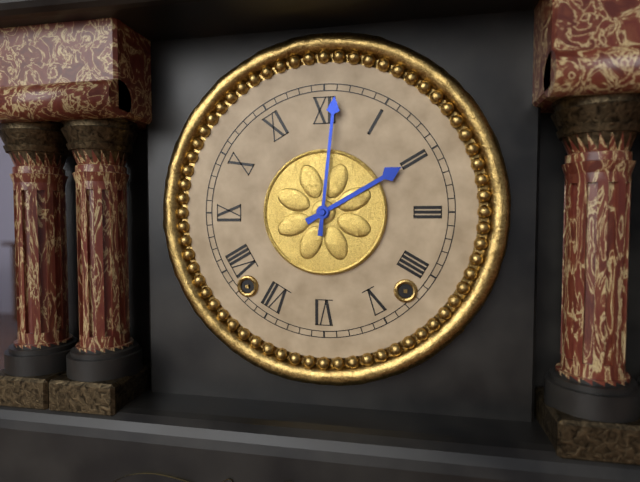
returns 2,01
